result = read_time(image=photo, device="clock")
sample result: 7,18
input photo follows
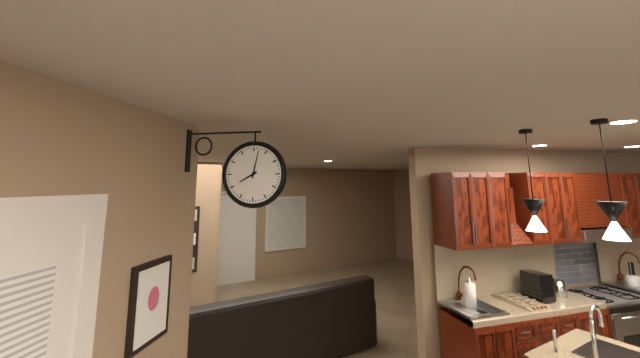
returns 8,02
